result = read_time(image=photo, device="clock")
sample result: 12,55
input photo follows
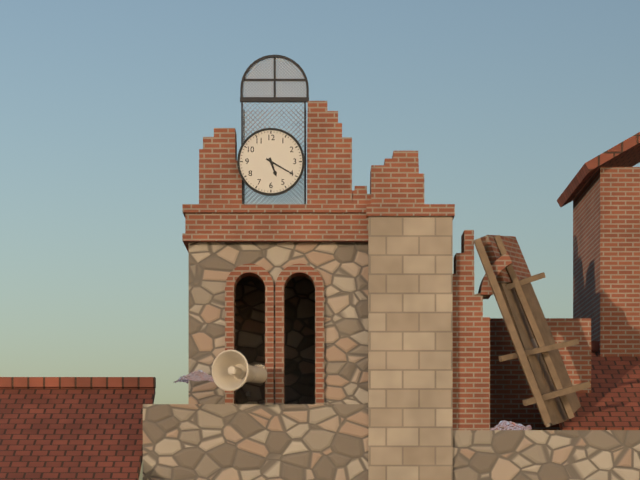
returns 5,20
